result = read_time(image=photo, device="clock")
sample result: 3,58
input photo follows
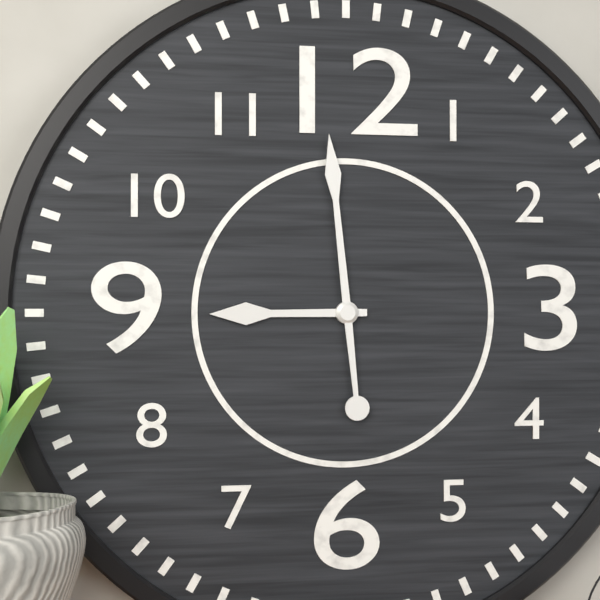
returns 8,59
